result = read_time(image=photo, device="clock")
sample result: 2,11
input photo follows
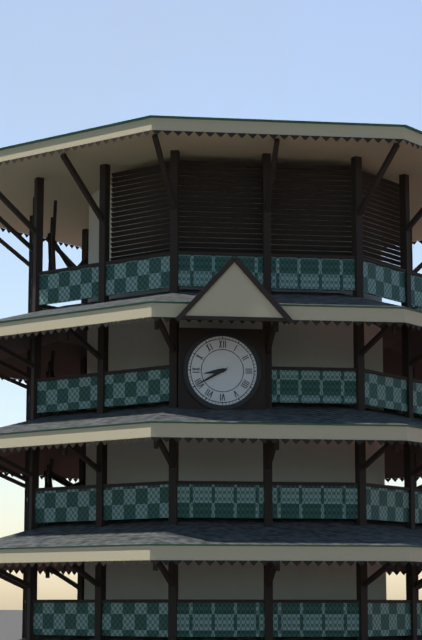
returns 8,40
